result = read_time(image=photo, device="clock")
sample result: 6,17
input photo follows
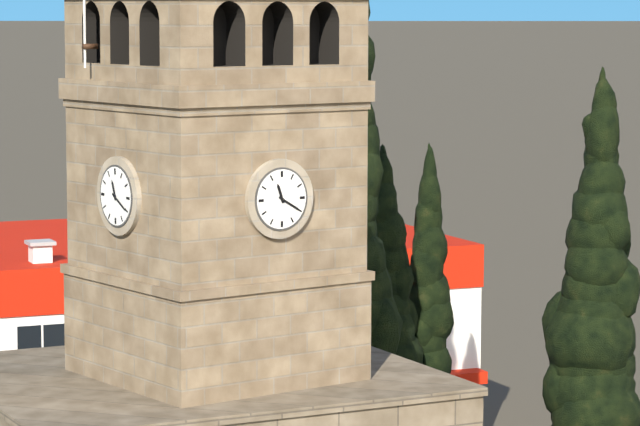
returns 11,20
